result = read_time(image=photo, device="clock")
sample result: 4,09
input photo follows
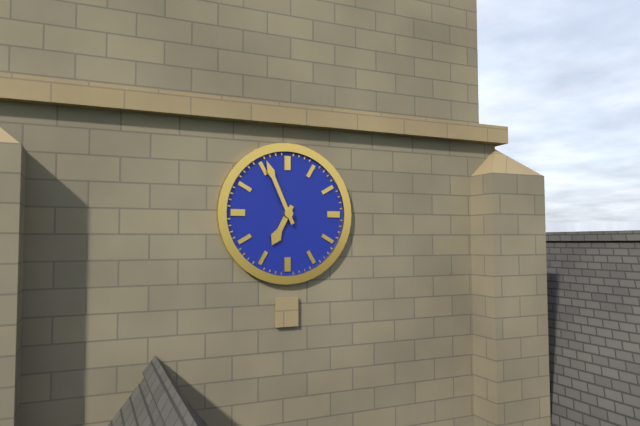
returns 6,56
